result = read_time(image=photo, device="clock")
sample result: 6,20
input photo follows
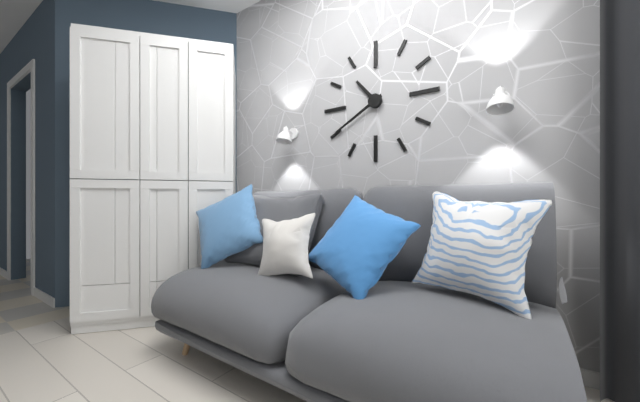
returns 10,40
